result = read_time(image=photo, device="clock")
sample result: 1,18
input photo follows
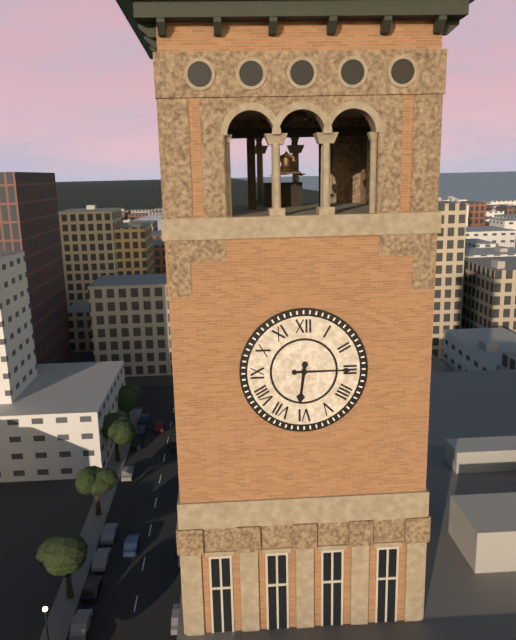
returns 6,15
